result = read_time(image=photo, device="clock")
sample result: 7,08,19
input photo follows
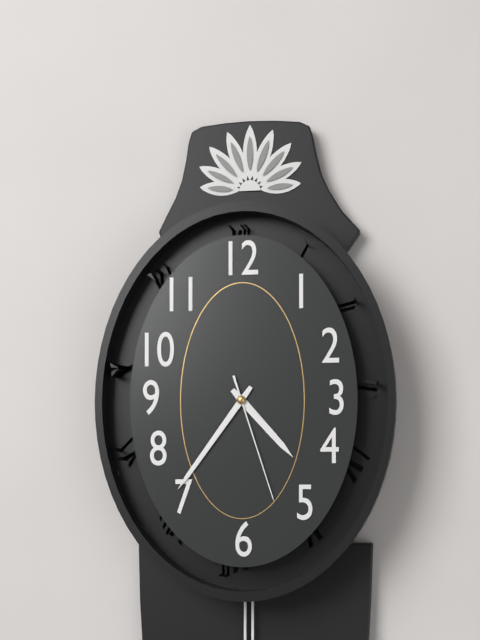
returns 4,36,27
